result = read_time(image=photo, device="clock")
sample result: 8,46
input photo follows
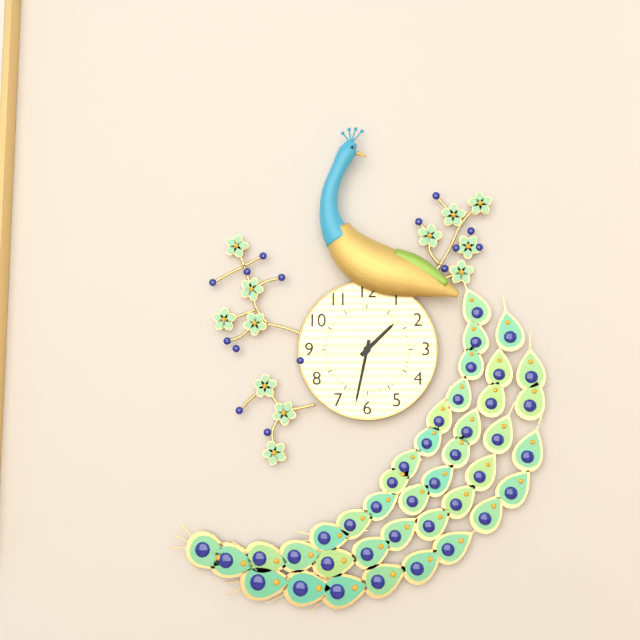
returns 1,32
